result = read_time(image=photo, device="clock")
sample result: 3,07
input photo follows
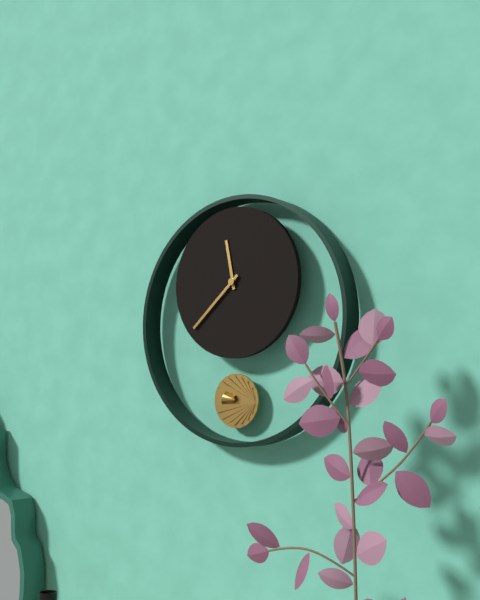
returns 11,38
